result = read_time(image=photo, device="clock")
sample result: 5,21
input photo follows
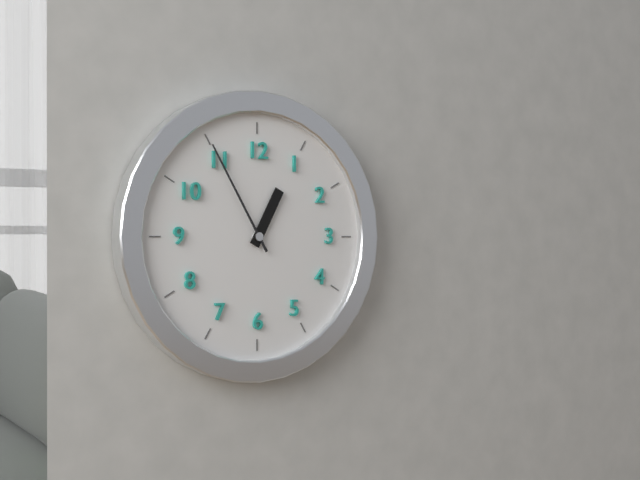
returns 12,55
